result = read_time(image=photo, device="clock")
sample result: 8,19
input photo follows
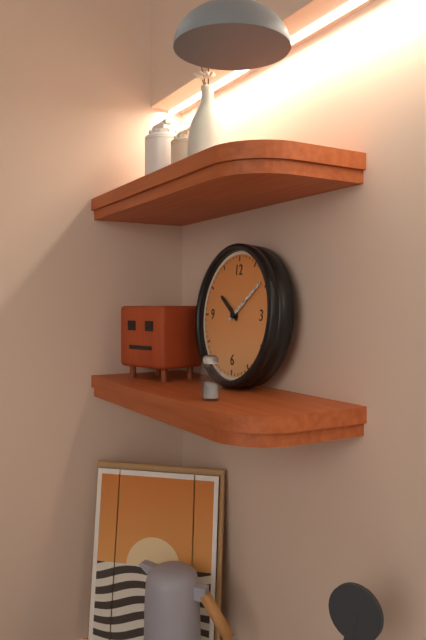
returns 10,09
